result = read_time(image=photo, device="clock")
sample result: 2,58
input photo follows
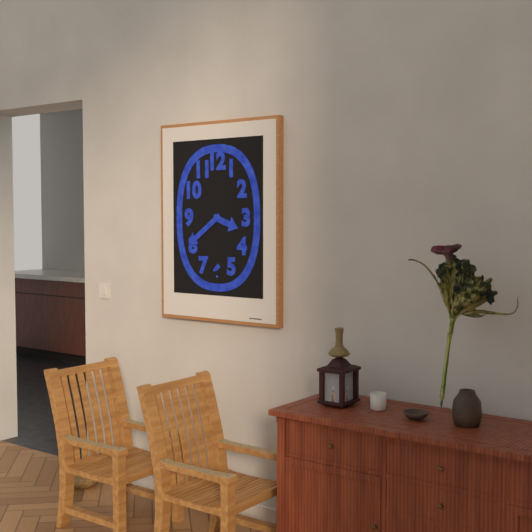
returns 3,39
